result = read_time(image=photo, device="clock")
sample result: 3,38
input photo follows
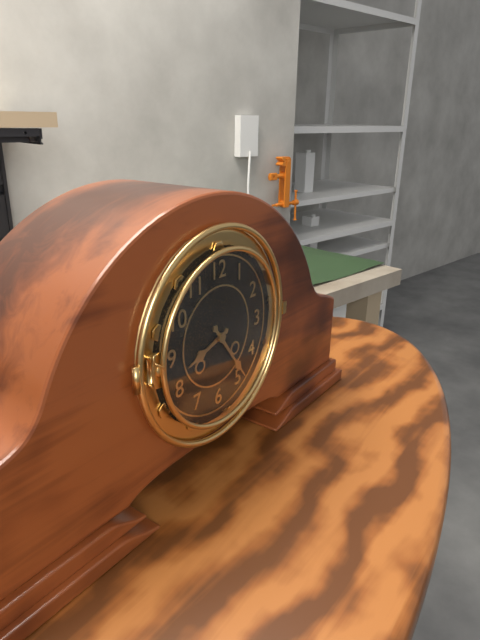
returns 8,24
